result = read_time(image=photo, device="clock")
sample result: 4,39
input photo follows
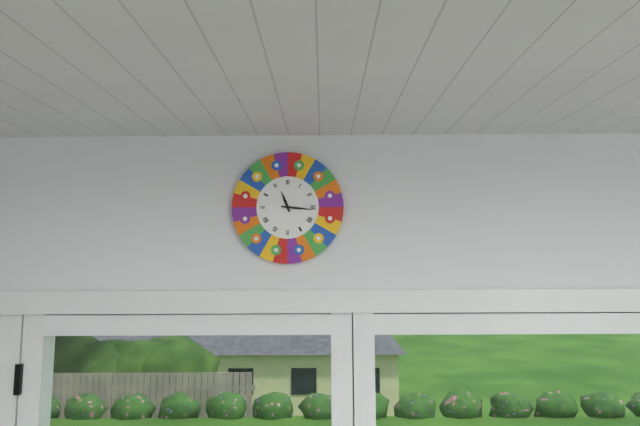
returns 11,16
